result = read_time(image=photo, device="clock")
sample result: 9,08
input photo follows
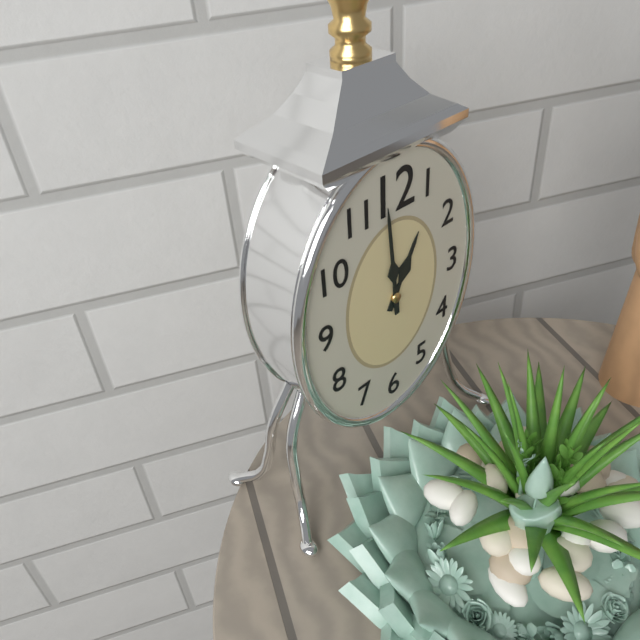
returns 12,59
